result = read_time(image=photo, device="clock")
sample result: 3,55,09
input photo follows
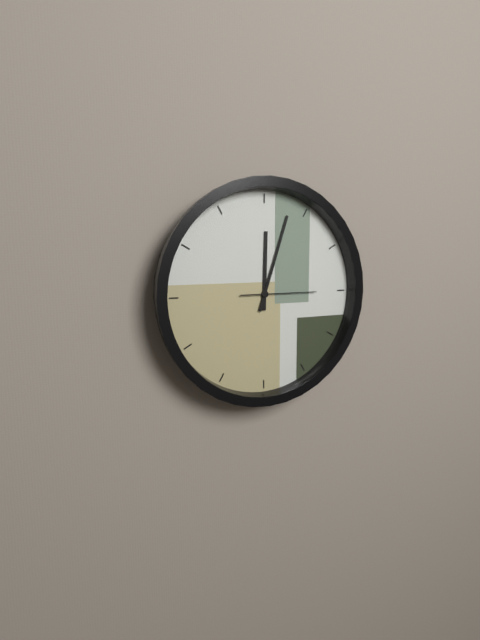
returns 12,03,15
